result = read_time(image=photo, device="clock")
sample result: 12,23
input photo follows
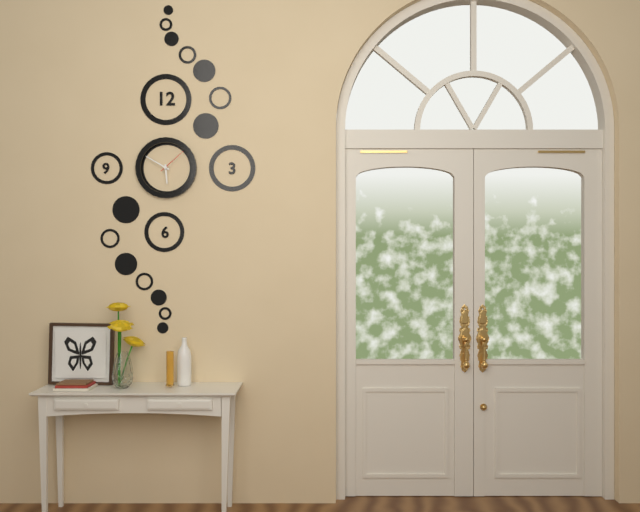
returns 5,50
